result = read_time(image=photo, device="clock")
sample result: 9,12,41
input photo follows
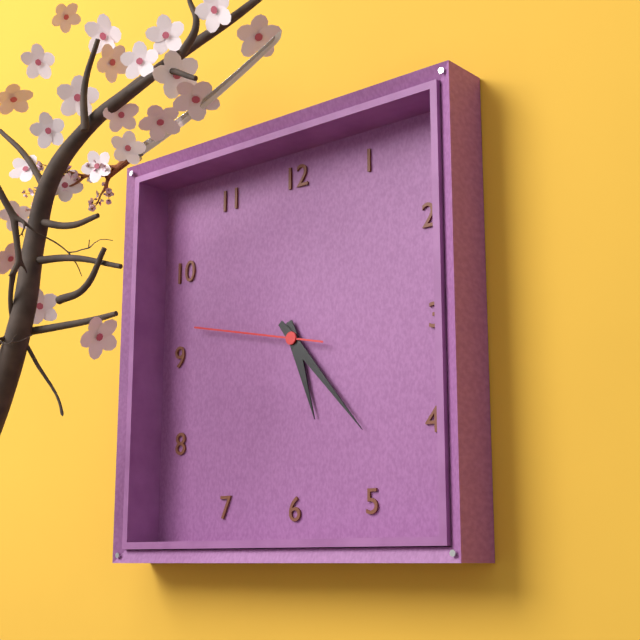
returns 5,23,47
